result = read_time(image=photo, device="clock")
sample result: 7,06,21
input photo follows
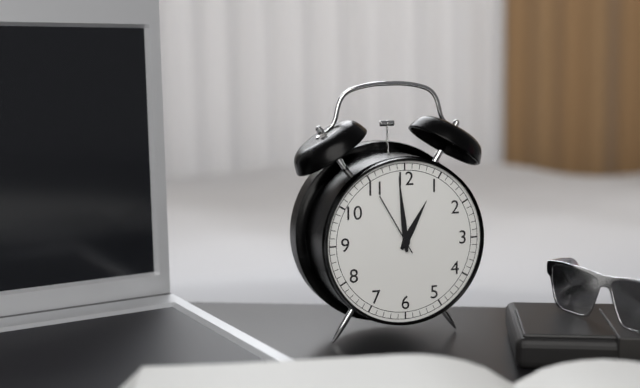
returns 12,59,55
